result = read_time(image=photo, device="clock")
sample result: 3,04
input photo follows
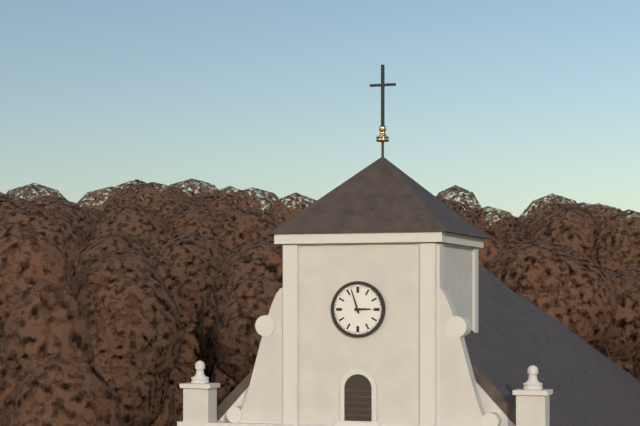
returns 2,57
